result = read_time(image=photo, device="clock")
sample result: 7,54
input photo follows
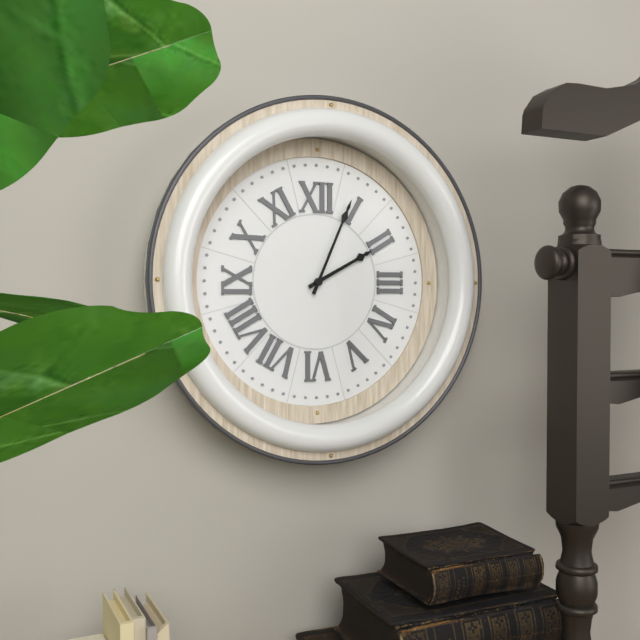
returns 2,04
